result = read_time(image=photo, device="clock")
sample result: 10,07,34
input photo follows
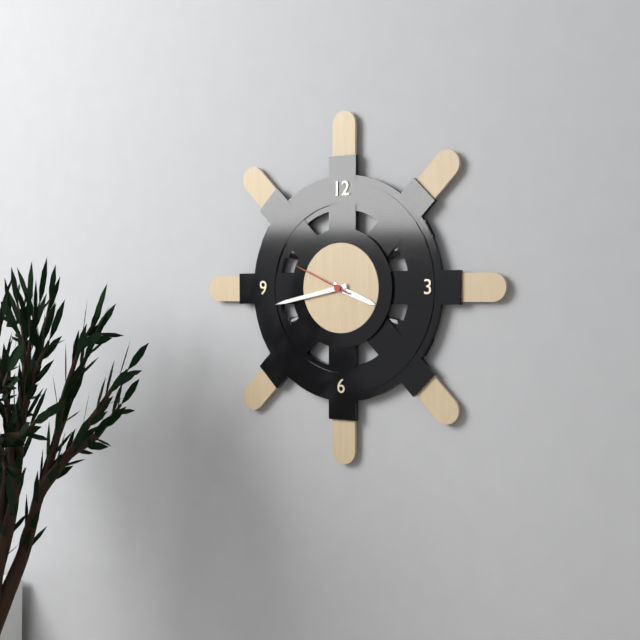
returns 3,43,49
